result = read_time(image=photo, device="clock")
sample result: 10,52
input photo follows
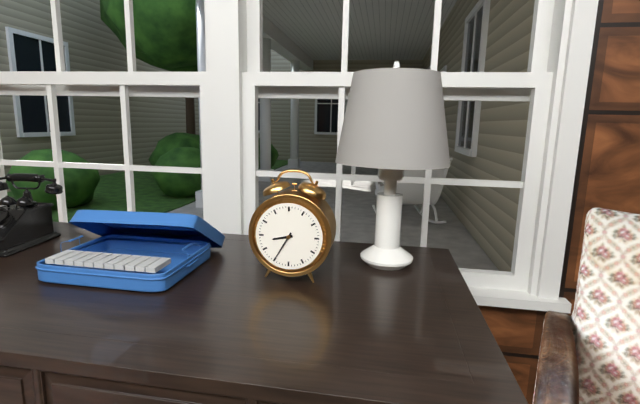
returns 8,35
